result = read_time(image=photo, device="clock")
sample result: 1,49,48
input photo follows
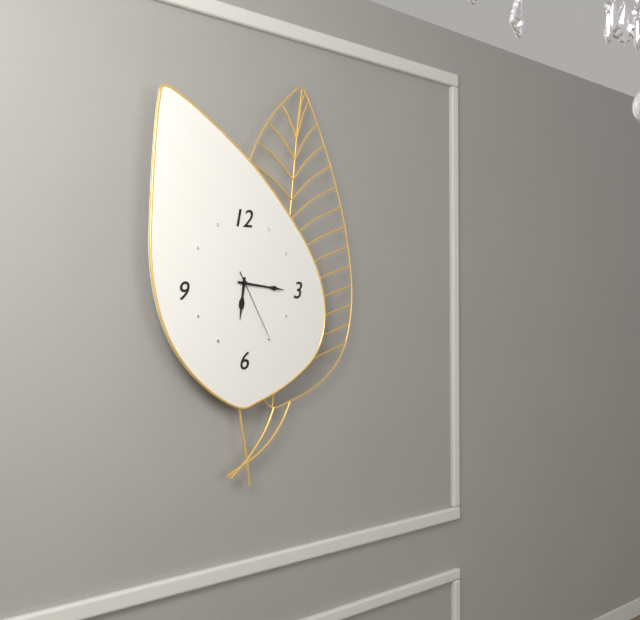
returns 6,16,25
